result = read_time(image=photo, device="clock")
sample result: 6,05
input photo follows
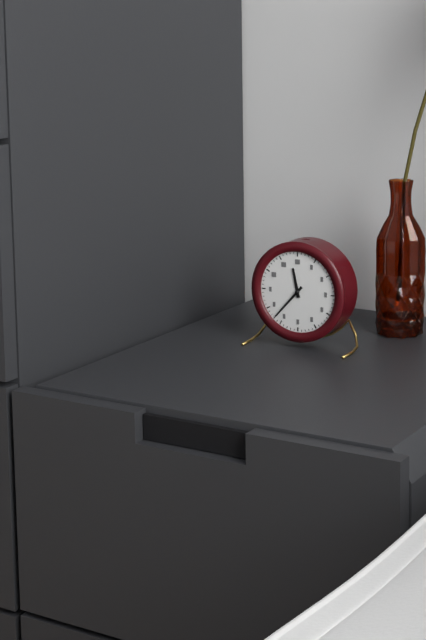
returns 11,37
